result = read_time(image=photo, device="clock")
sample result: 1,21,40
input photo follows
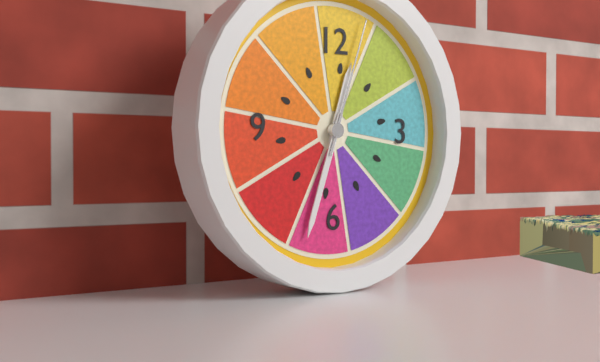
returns 12,33,03
